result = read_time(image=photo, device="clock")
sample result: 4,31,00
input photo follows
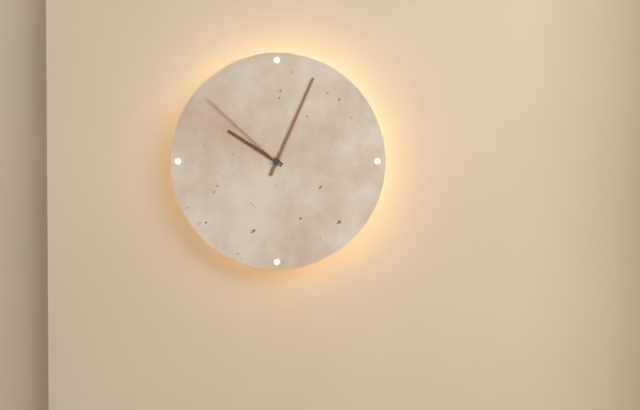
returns 10,04,52
